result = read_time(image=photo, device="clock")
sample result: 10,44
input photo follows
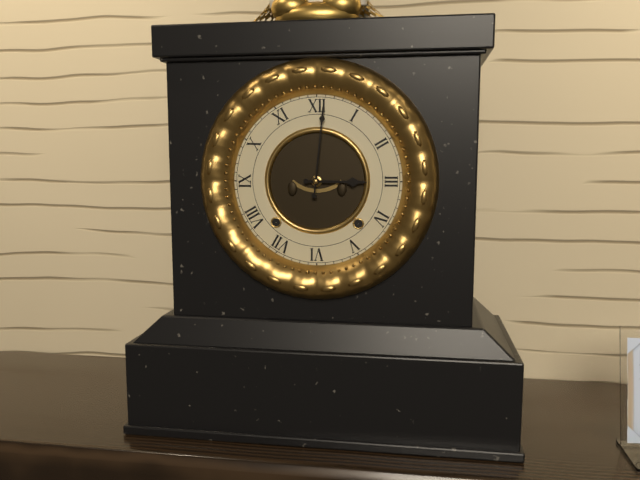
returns 3,01
